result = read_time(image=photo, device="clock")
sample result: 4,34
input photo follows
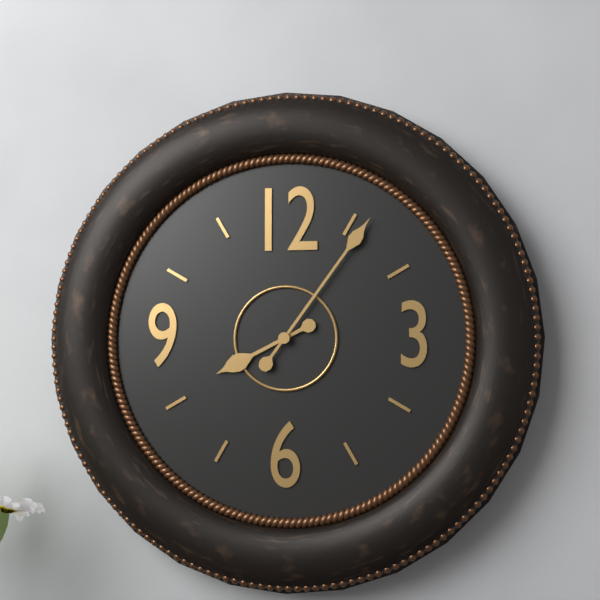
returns 8,06
